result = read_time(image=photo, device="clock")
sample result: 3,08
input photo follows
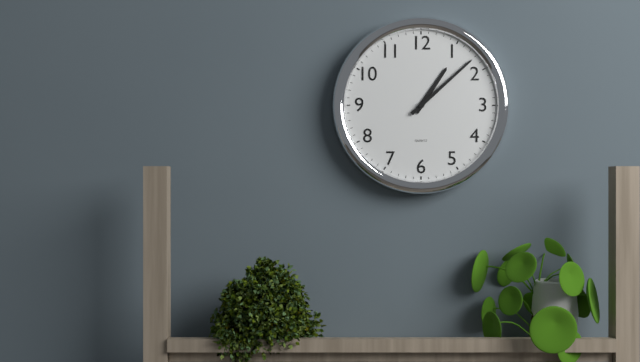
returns 1,08
